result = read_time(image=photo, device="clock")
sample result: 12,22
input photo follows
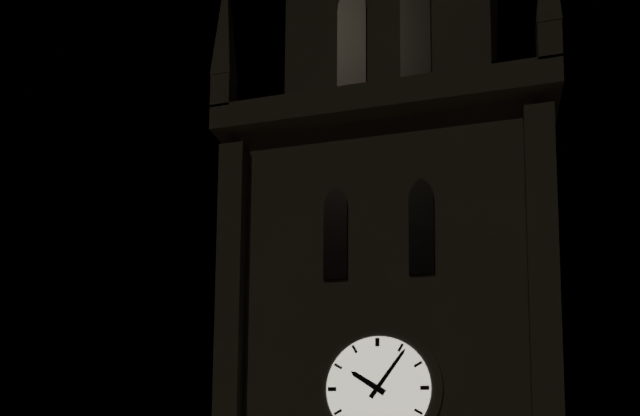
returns 10,06
